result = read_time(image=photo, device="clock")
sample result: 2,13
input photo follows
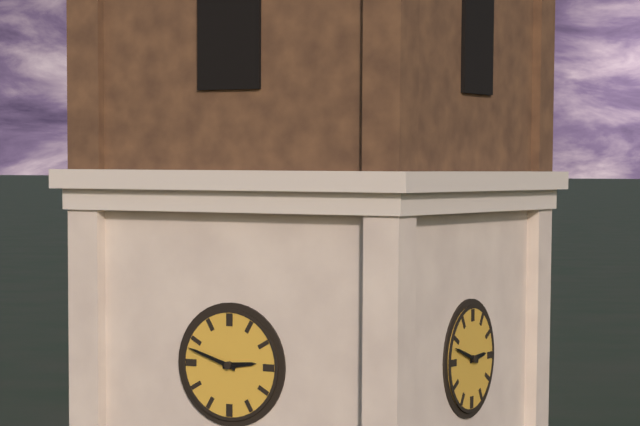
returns 2,48
